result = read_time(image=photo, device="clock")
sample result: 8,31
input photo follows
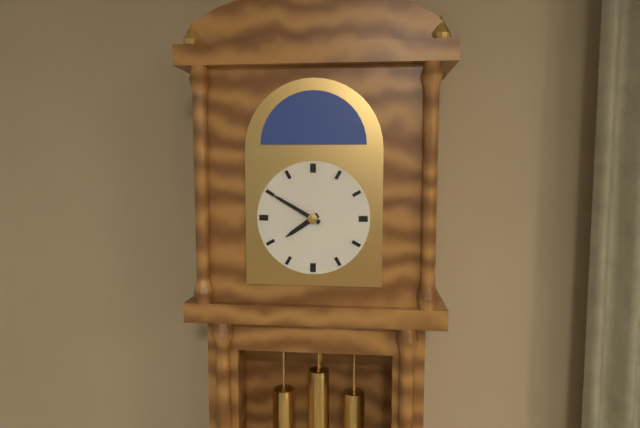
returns 7,50
